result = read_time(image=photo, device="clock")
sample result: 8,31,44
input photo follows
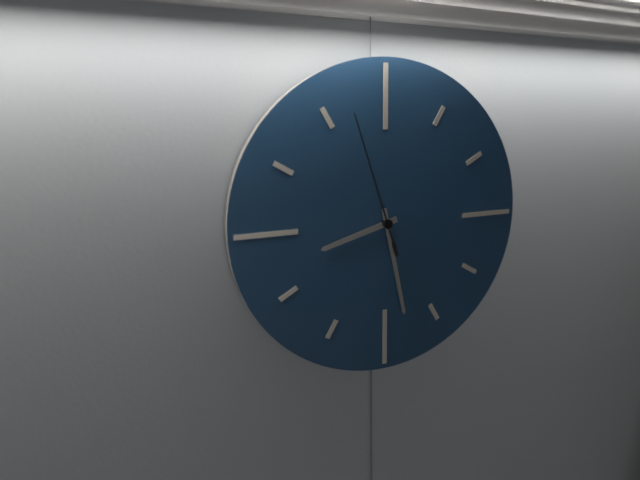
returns 8,28,57
